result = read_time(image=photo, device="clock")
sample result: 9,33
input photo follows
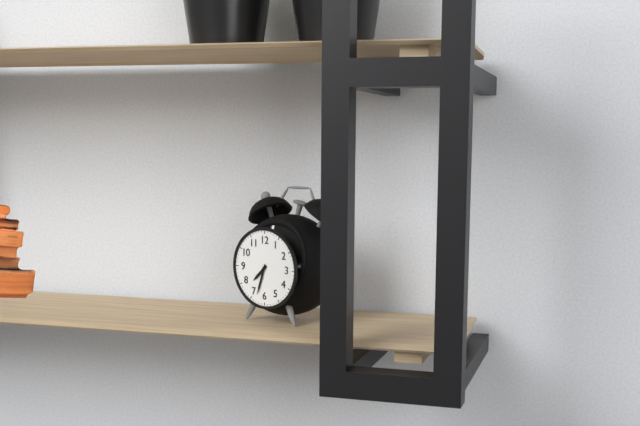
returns 7,33
